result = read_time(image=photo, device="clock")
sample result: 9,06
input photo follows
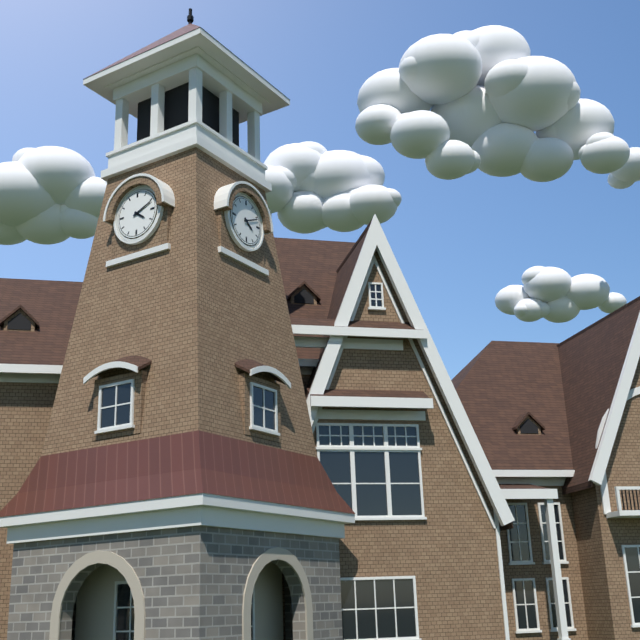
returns 4,11
